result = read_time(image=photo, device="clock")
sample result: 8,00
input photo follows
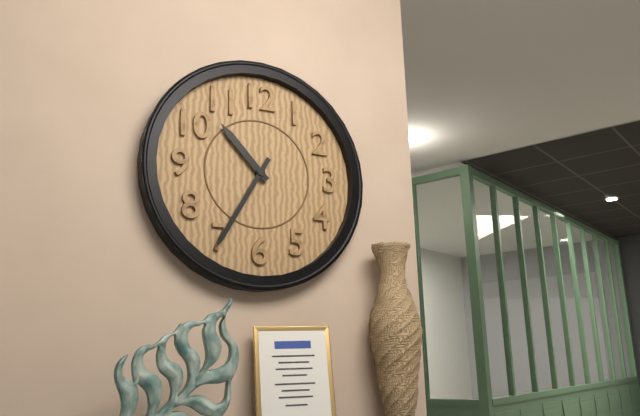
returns 10,35
